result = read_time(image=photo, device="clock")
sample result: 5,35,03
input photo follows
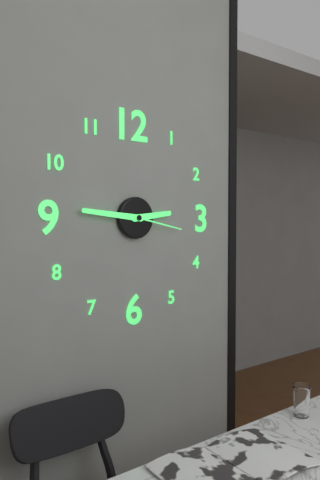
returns 2,46,17
